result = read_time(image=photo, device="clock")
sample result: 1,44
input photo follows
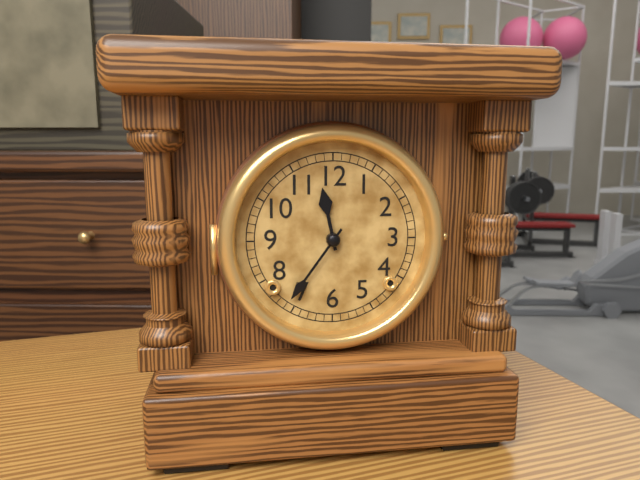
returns 11,36
